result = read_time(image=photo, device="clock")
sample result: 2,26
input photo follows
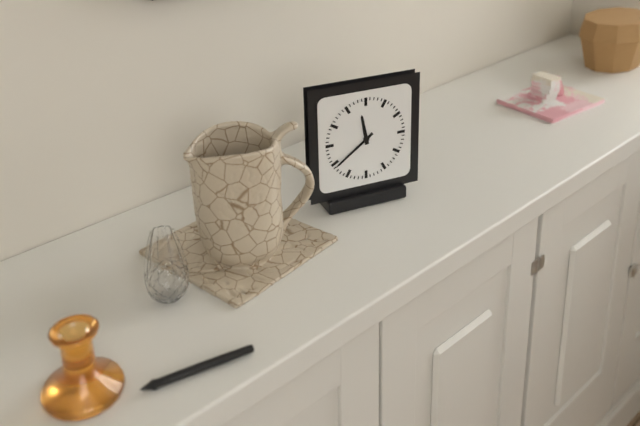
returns 11,39
